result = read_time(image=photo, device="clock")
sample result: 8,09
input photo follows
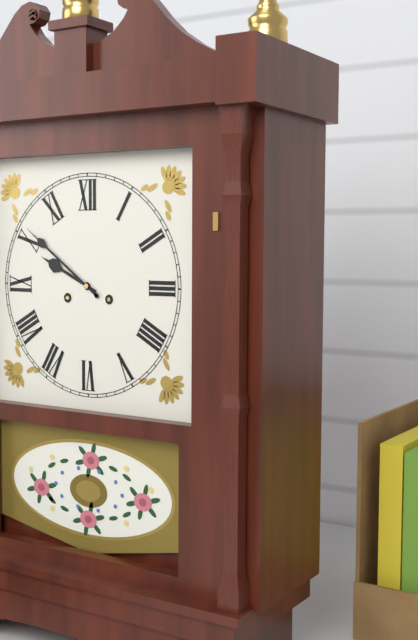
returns 9,51
